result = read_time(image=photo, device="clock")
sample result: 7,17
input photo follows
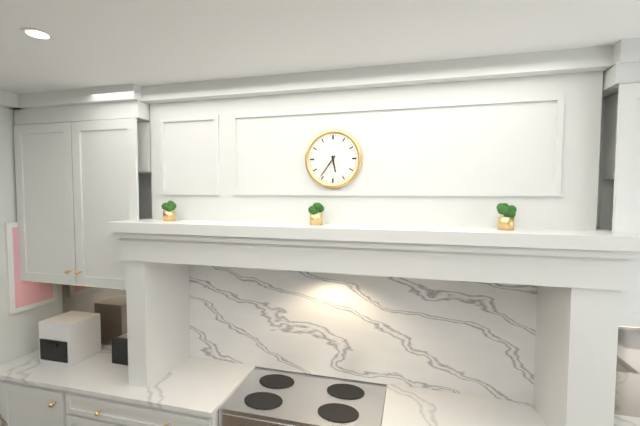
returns 5,36
